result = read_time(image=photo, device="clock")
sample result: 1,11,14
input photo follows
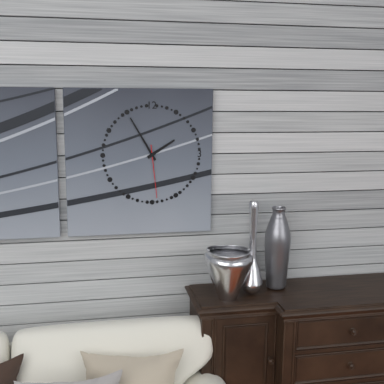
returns 1,55,29
